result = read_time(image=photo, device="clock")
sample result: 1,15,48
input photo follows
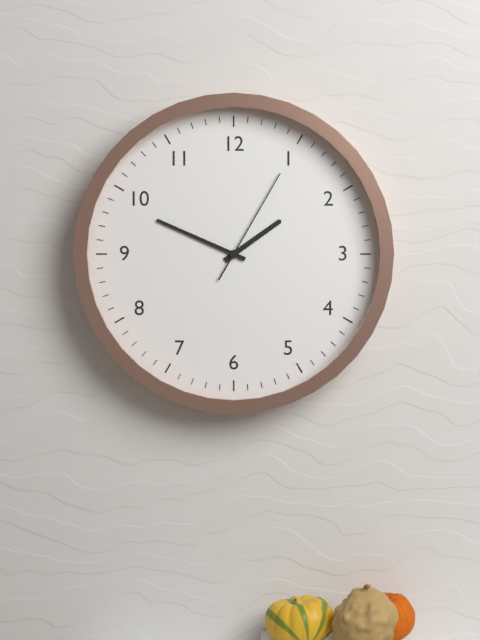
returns 1,49,05
